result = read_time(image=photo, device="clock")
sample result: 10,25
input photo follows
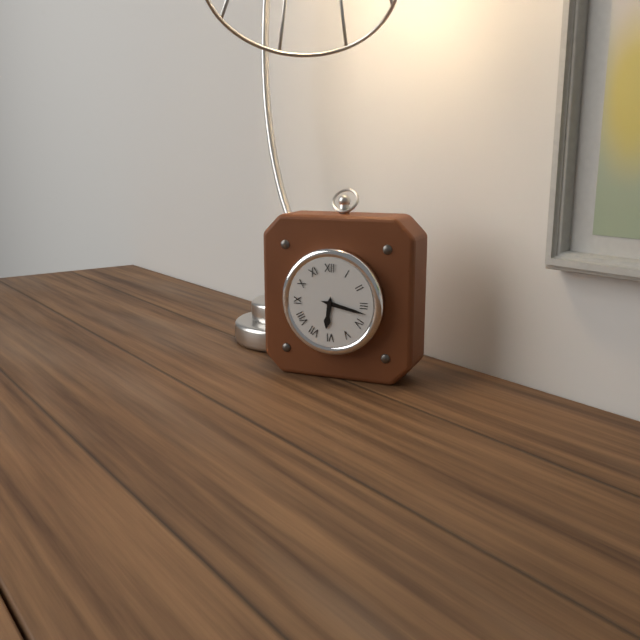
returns 6,17
